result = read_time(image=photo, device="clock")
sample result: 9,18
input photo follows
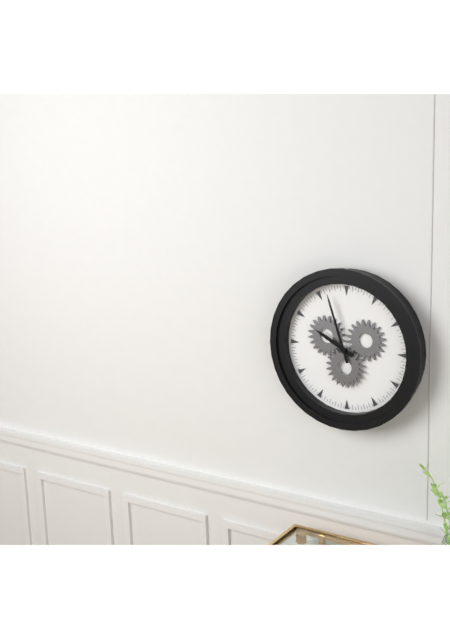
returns 9,57
